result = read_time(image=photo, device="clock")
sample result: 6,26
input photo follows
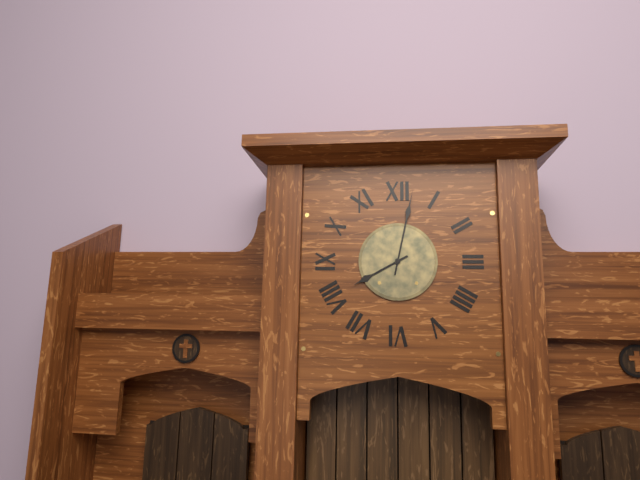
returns 8,02
